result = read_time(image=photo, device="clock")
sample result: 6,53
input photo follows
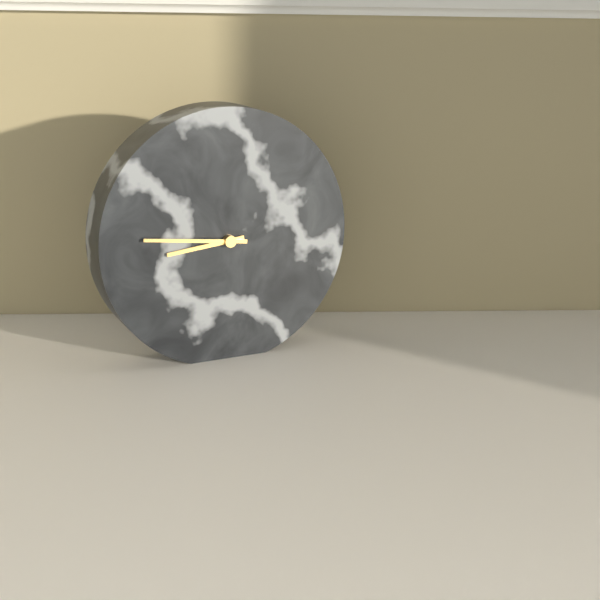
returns 8,46
